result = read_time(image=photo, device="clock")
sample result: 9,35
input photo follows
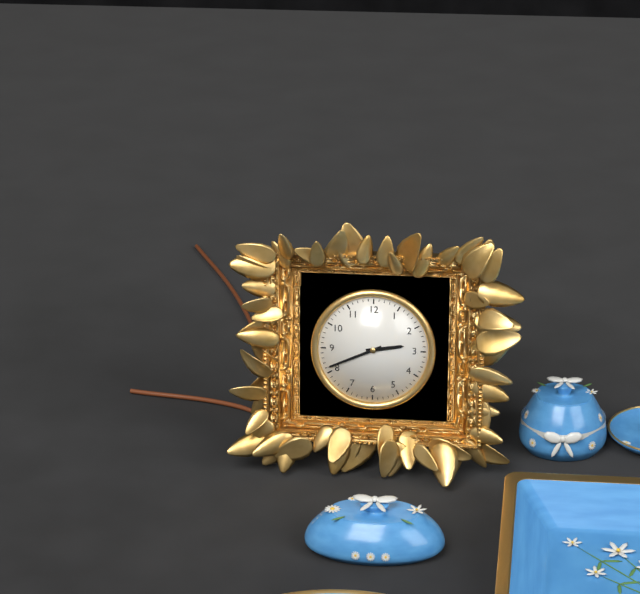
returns 2,41
